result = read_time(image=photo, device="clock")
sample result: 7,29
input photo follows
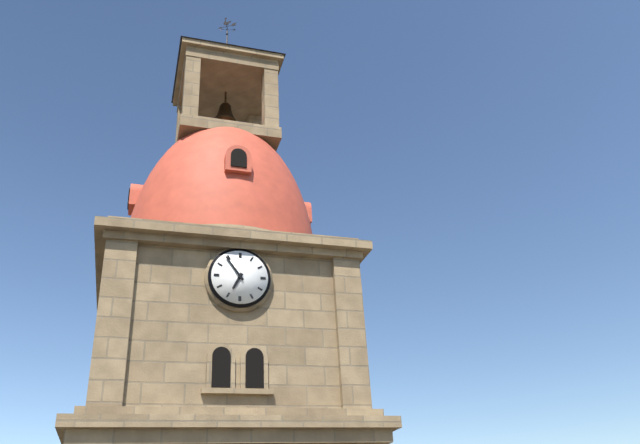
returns 6,54
